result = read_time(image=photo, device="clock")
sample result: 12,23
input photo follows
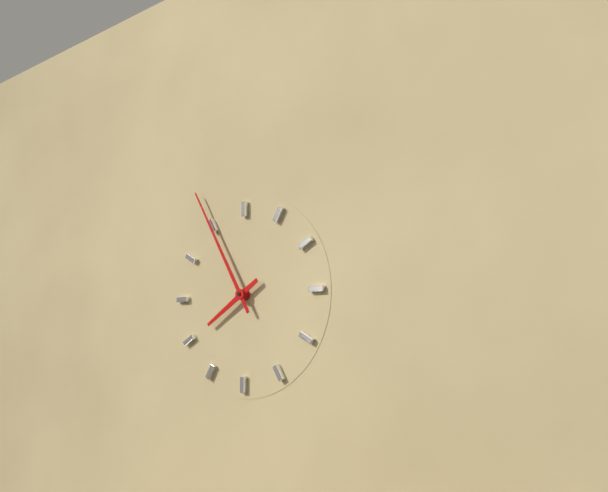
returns 7,55
